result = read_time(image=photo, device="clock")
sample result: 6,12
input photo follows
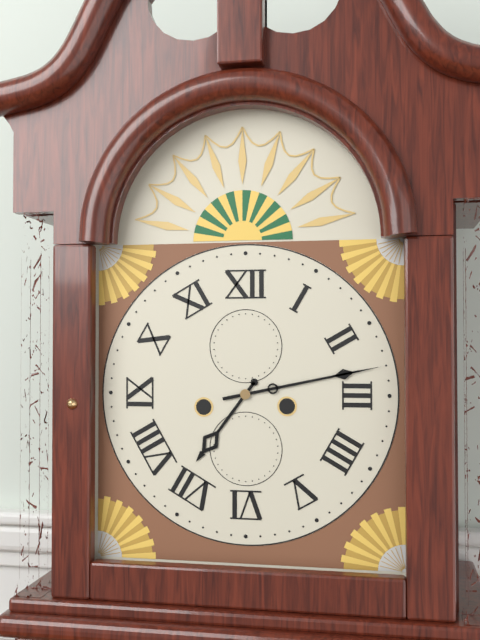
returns 7,13
